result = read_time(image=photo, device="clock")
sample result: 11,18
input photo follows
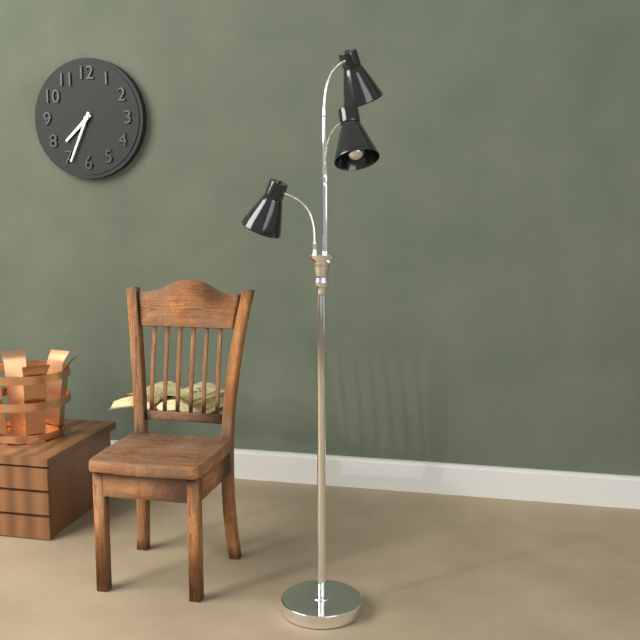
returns 7,34
